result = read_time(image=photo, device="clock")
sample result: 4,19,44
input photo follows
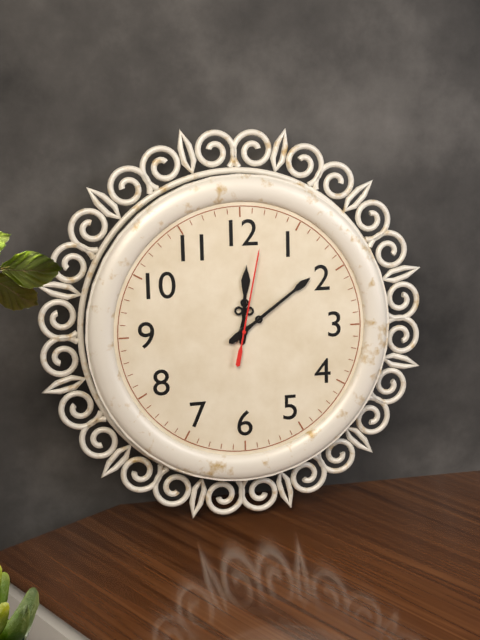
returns 12,09,02
